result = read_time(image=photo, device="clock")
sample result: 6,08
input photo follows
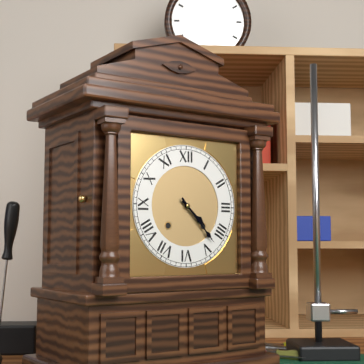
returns 4,23
